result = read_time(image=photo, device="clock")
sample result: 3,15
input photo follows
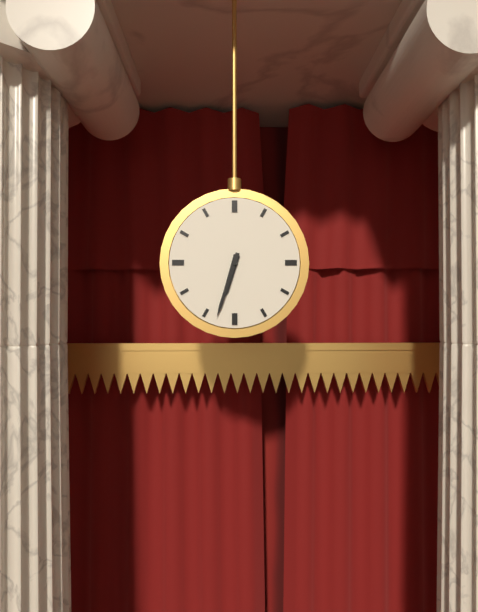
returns 6,33
